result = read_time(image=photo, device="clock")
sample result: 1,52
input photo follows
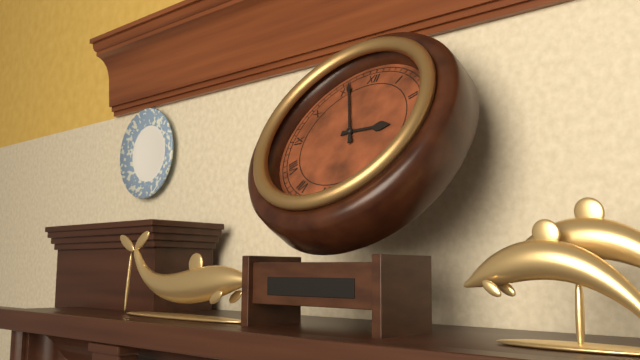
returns 2,56
